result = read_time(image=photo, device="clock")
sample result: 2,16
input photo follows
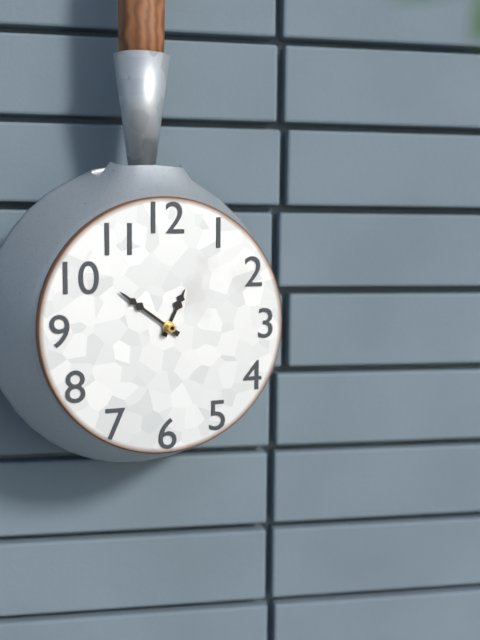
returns 12,51
